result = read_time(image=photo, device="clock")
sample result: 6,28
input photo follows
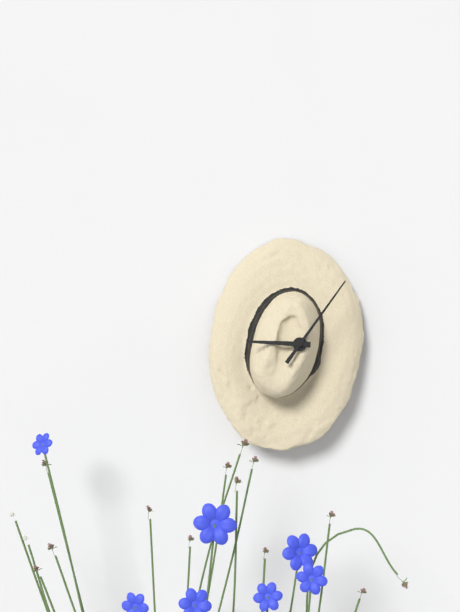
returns 9,06
